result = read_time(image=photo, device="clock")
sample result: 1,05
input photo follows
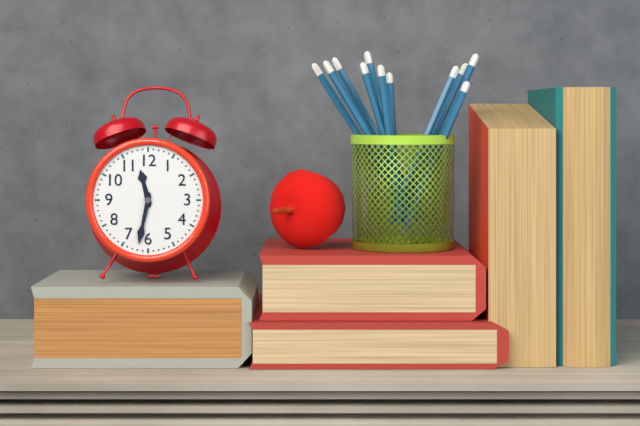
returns 11,32
